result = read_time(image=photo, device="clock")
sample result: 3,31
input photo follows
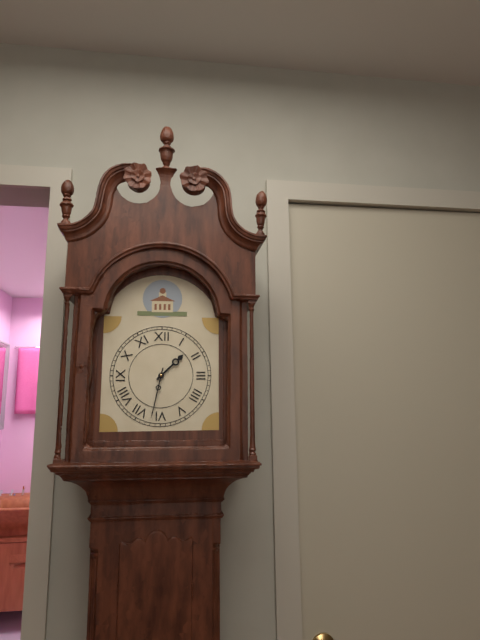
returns 1,32
